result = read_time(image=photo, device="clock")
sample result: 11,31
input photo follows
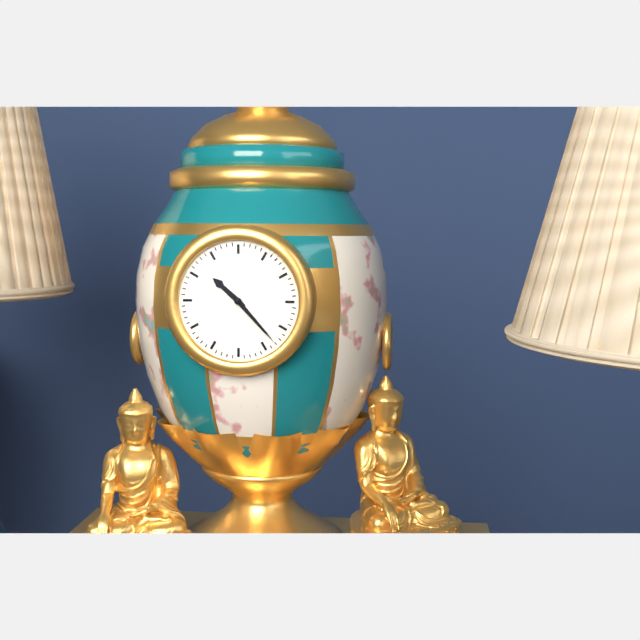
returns 10,23
